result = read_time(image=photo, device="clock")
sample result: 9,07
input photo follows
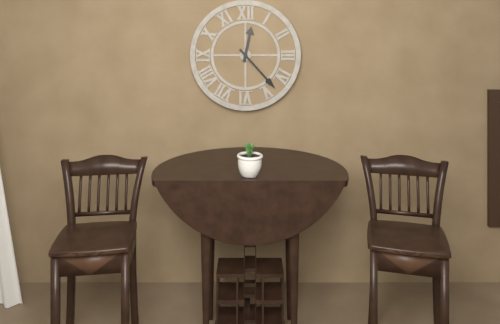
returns 12,23
